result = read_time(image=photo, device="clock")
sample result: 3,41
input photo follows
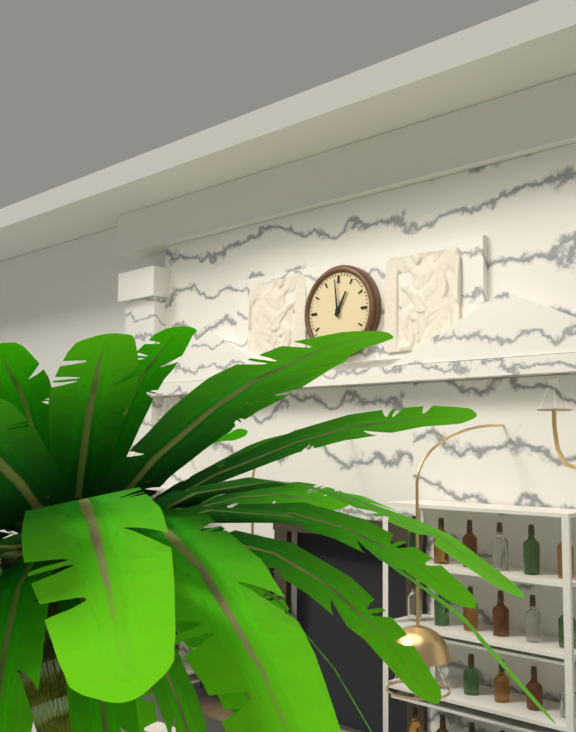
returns 12,59
